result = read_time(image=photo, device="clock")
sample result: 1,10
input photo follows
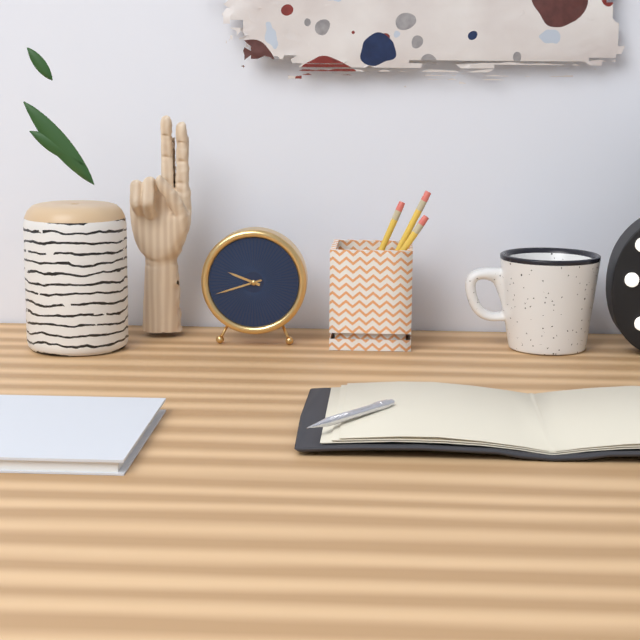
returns 9,42
